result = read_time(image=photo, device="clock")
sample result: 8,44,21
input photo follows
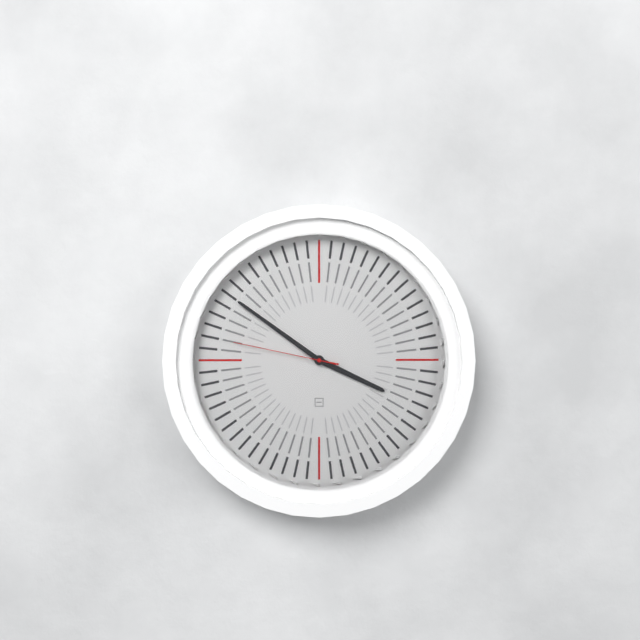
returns 3,51,47
